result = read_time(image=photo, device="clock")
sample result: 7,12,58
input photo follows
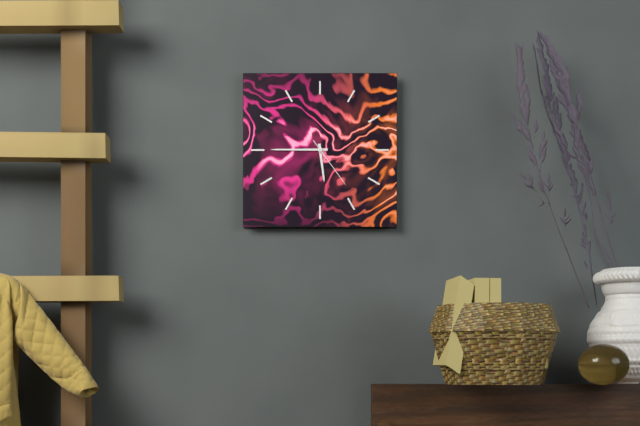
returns 5,45,24
